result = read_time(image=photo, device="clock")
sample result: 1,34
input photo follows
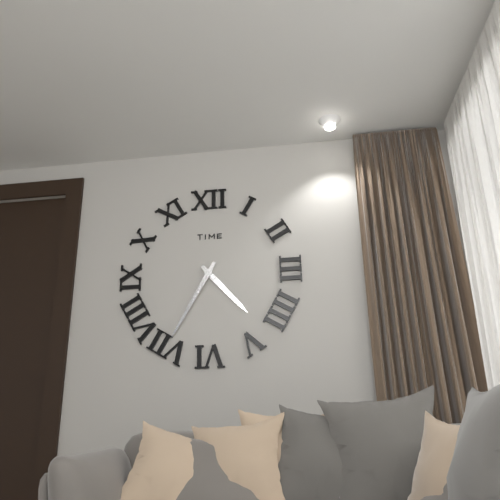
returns 4,35
